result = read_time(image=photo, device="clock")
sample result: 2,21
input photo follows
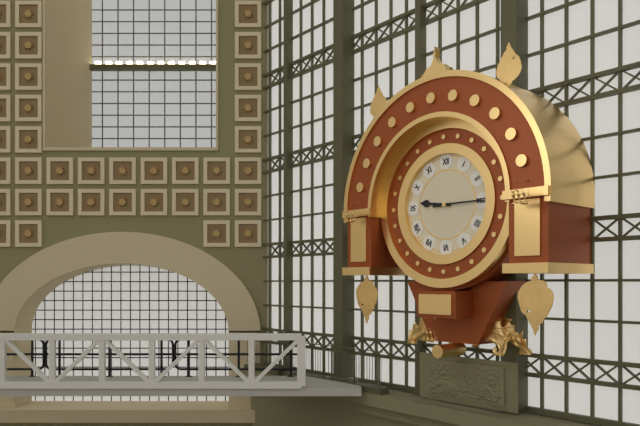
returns 9,15
